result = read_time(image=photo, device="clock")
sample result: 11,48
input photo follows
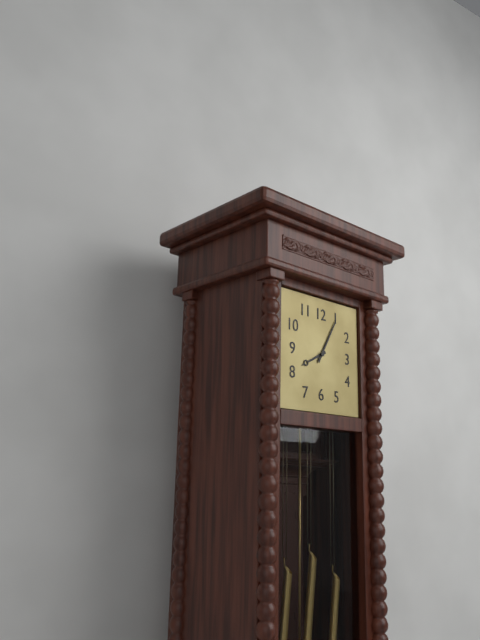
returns 8,05
